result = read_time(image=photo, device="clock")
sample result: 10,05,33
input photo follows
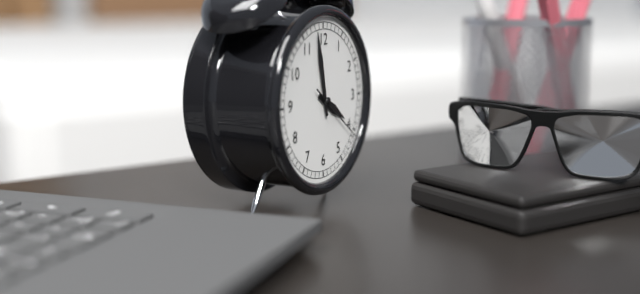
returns 3,58,21
